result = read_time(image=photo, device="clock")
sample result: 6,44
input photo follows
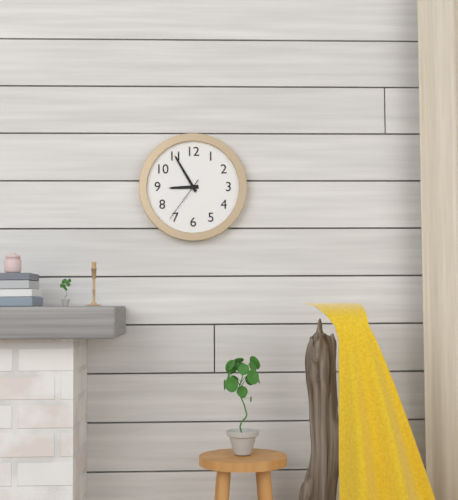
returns 8,55
